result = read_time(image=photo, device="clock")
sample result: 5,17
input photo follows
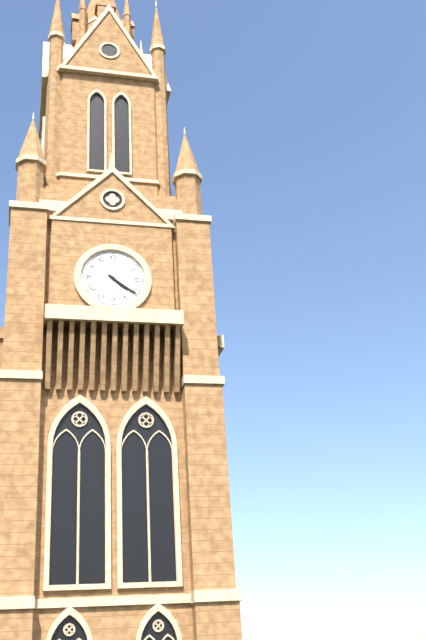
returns 4,21
